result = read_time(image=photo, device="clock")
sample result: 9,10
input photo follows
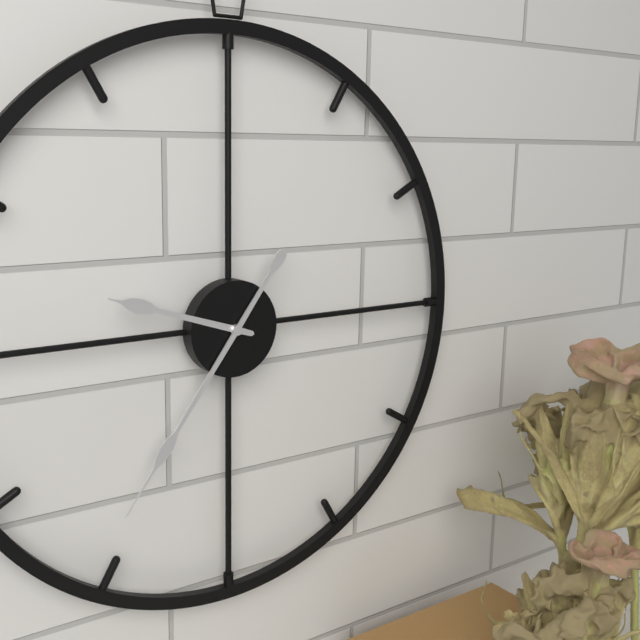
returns 9,36
